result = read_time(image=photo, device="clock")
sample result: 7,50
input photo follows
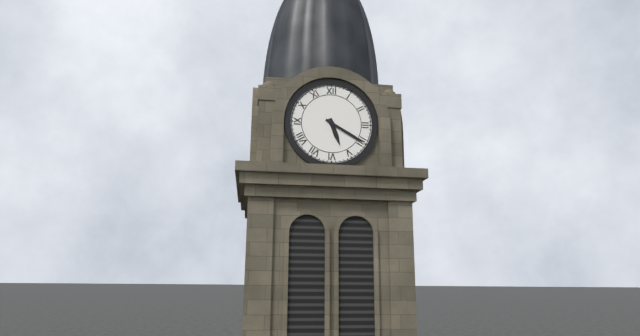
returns 5,20
